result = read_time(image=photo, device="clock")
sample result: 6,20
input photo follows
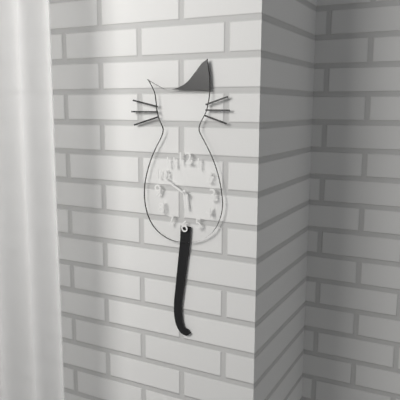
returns 5,50
